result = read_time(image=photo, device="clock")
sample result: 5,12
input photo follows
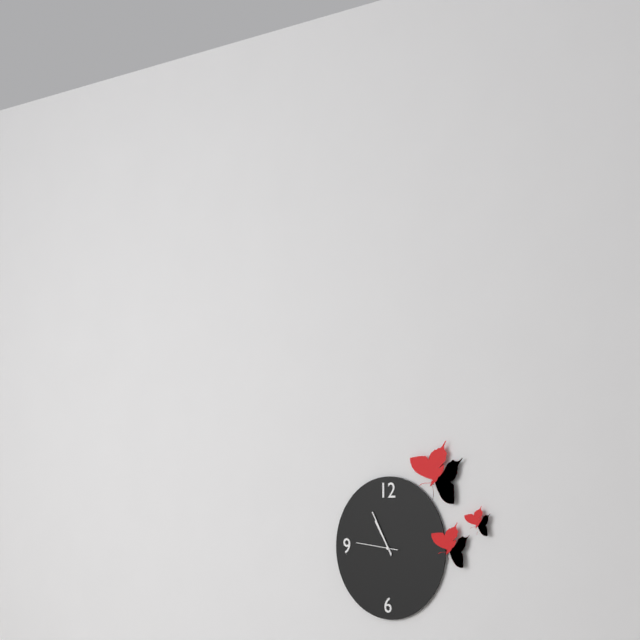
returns 10,55
